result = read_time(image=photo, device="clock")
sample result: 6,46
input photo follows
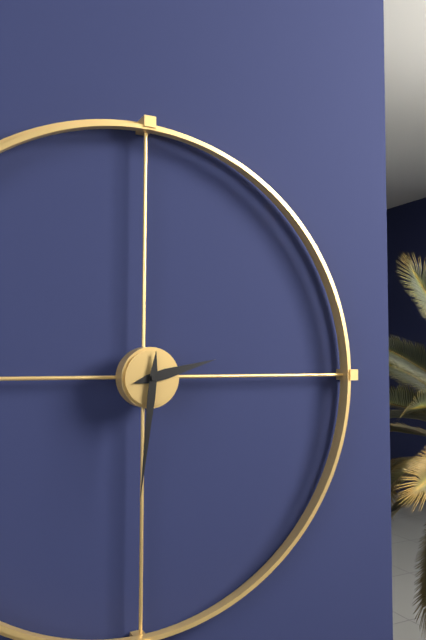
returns 2,31
